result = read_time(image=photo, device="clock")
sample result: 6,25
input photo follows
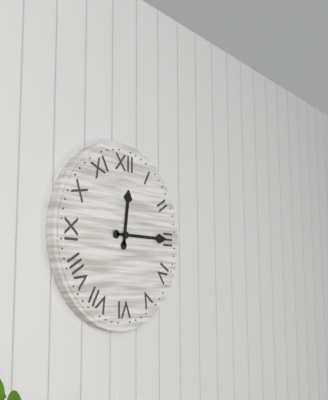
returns 12,15
